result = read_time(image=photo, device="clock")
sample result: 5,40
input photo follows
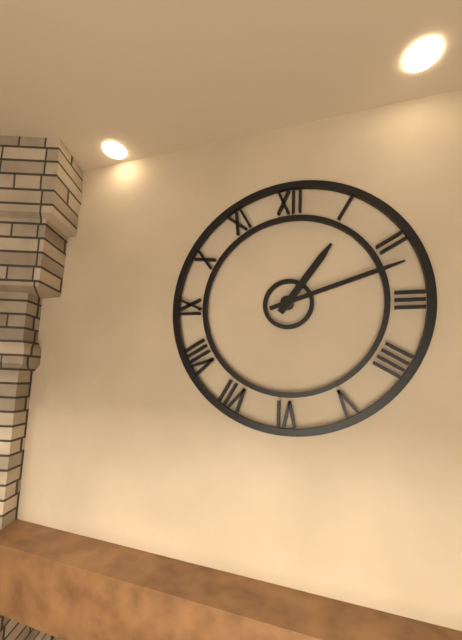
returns 1,12
